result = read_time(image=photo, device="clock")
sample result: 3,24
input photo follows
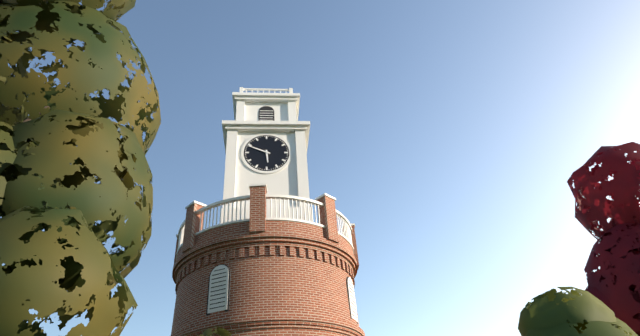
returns 5,49
